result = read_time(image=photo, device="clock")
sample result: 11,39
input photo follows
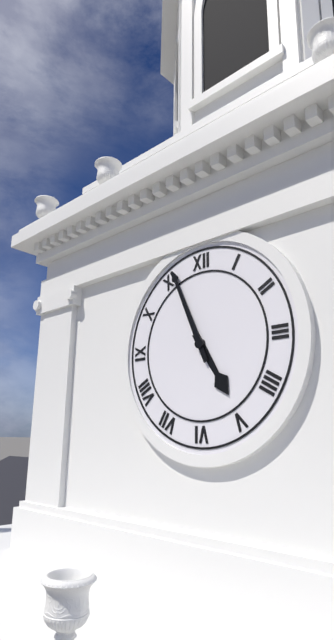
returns 4,56
